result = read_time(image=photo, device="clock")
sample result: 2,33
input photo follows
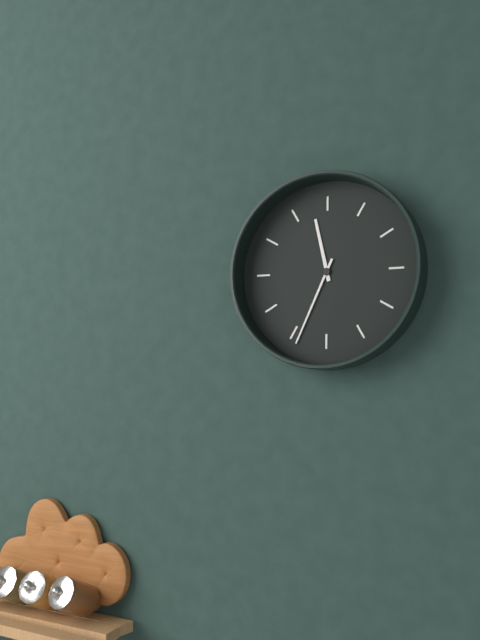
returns 11,34
